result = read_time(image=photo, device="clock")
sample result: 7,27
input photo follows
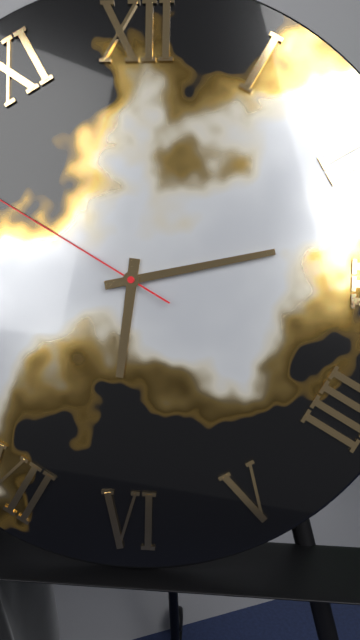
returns 6,13
